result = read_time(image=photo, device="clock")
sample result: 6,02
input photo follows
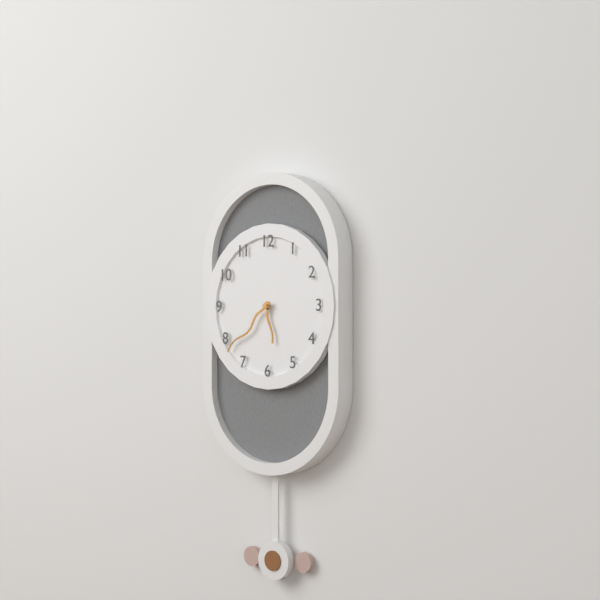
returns 5,38
